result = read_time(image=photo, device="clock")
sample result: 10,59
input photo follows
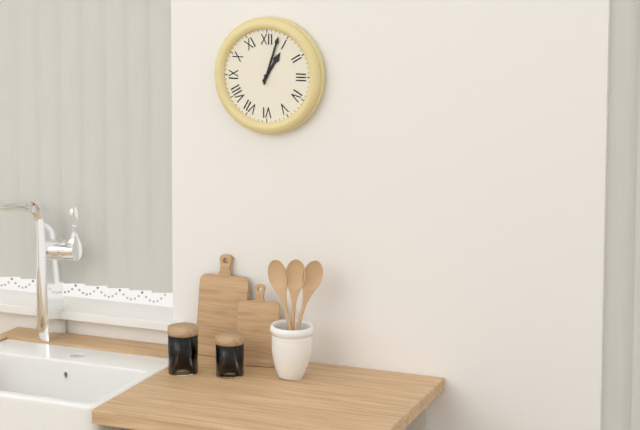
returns 1,03
